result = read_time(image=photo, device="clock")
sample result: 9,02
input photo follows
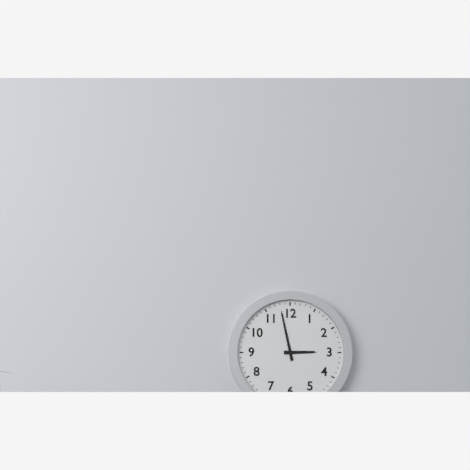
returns 2,58
